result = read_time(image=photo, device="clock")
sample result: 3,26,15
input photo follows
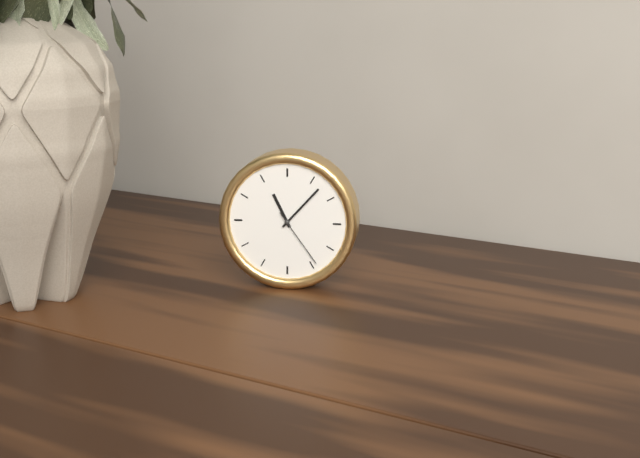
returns 11,07,24
